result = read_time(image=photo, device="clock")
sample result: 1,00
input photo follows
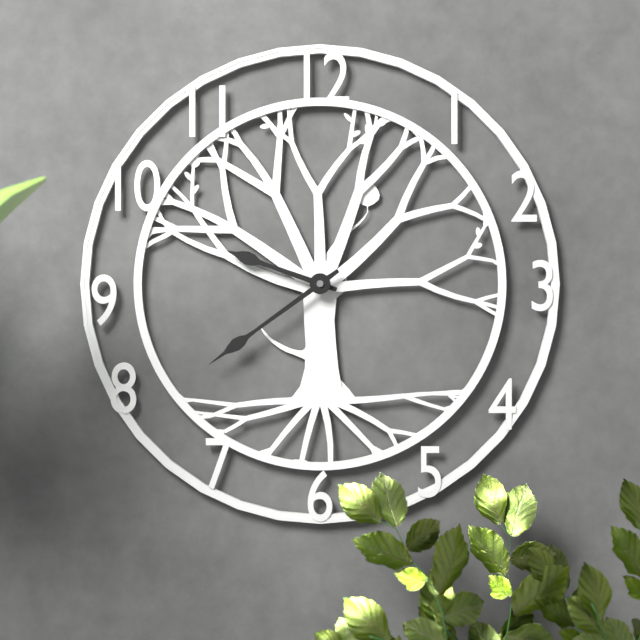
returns 9,39
